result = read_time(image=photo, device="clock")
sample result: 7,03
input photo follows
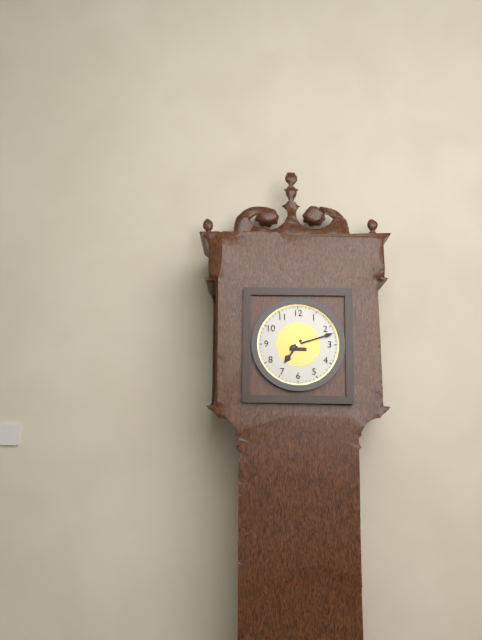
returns 7,12
